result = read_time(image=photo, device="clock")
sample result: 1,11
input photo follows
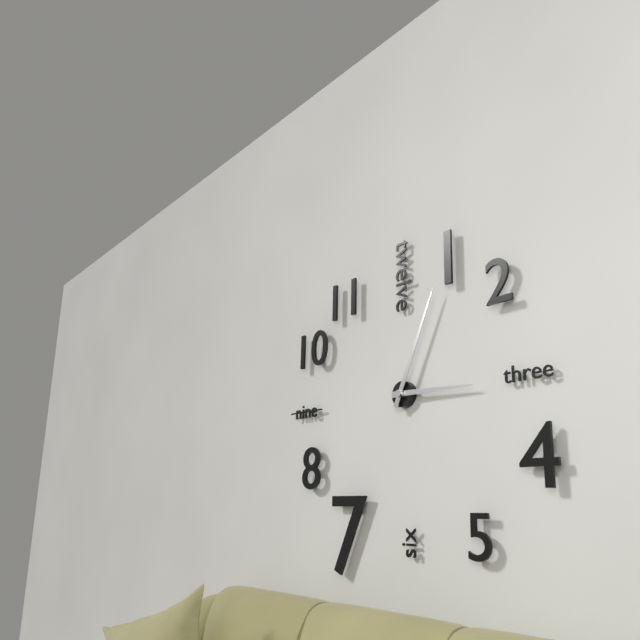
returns 3,04
